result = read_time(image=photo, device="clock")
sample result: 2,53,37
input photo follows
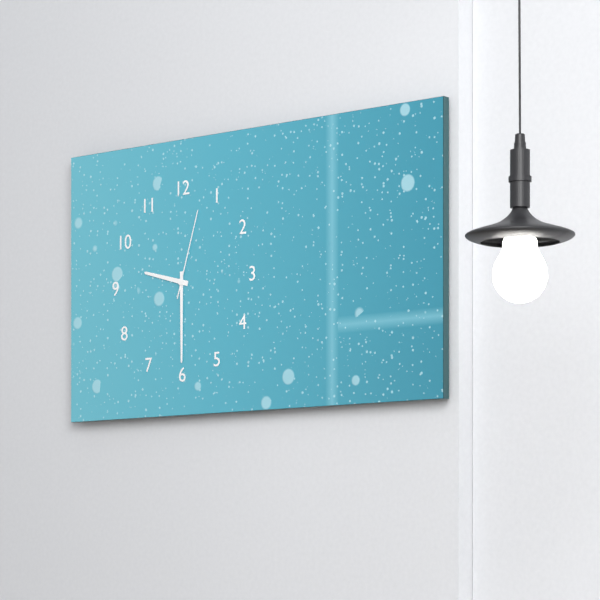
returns 9,30,03
